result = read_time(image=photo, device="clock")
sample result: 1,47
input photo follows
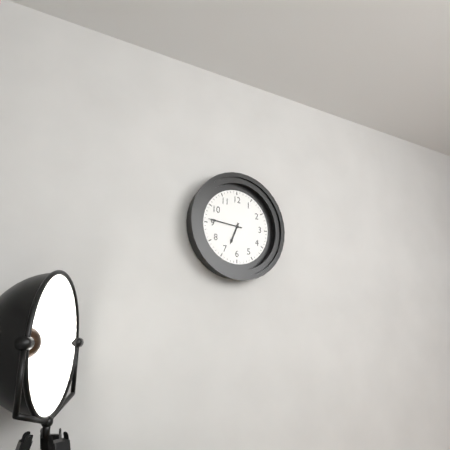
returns 6,46
